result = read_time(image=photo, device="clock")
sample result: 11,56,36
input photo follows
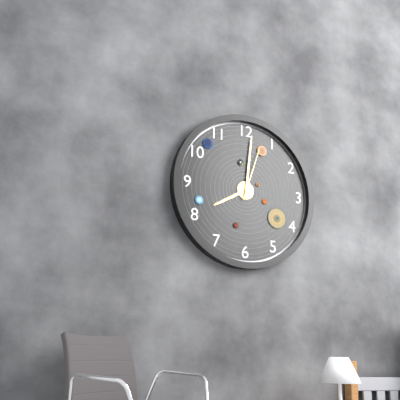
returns 8,01,03
